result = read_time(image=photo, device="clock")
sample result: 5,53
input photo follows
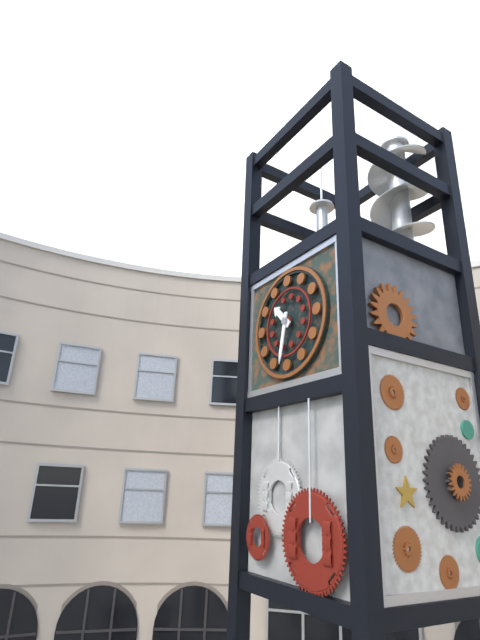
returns 10,32
